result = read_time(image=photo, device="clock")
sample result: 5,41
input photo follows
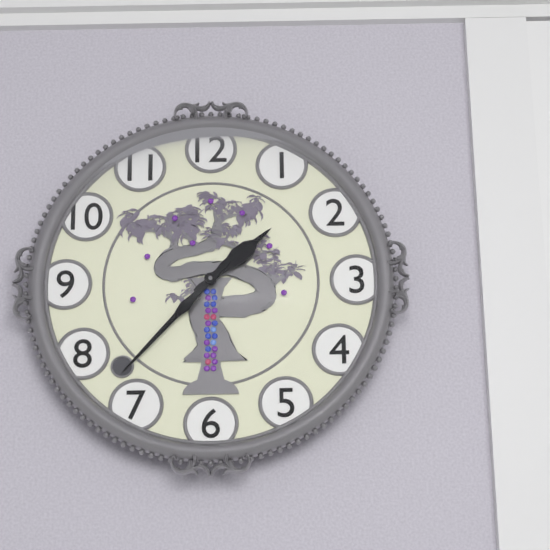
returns 1,37
